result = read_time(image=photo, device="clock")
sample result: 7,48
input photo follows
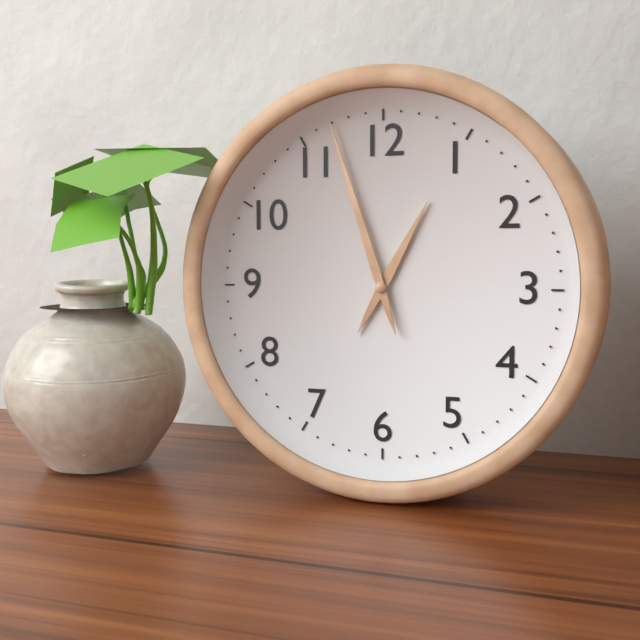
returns 12,57
